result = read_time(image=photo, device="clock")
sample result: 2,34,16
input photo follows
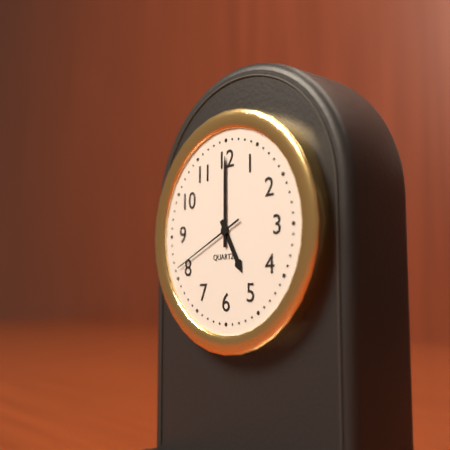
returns 5,00,41
